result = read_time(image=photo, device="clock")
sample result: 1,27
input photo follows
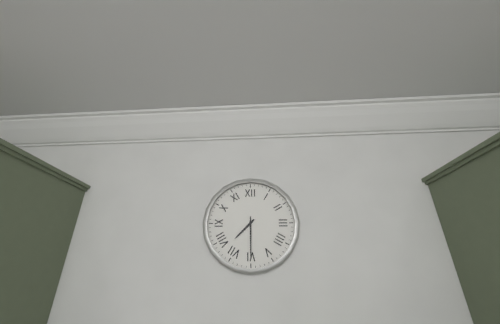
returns 7,30
